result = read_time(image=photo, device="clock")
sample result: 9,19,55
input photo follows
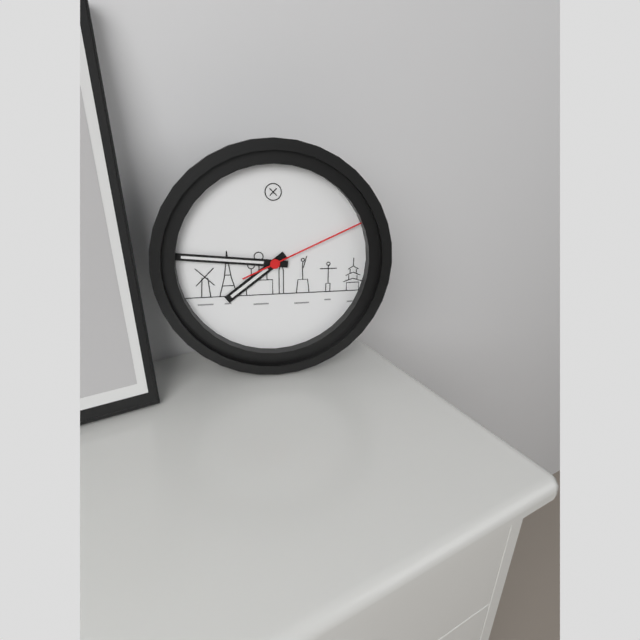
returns 7,46,11
